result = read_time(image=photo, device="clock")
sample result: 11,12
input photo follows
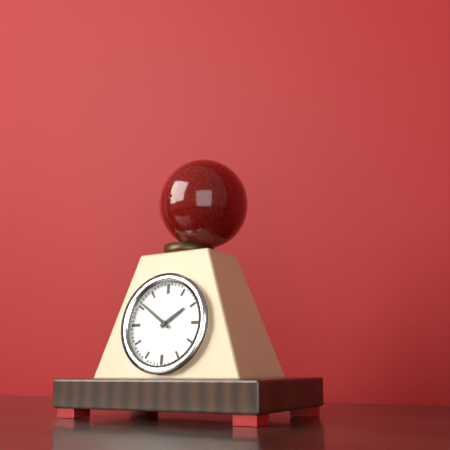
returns 1,51
